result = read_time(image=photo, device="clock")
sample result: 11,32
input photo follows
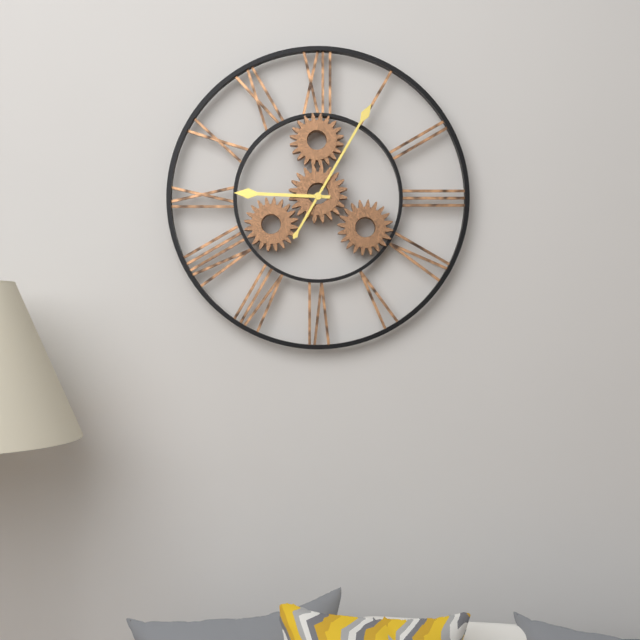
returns 9,05
